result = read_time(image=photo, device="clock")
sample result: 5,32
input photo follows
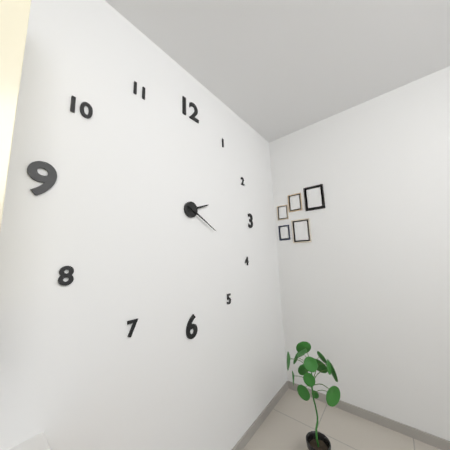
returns 2,20
